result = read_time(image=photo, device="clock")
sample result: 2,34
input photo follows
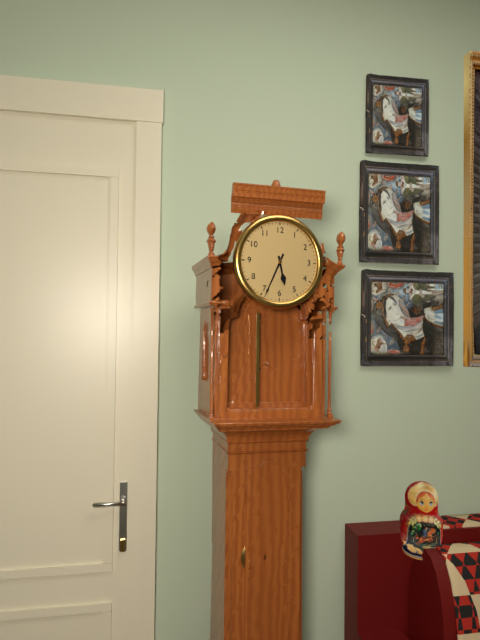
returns 5,34
